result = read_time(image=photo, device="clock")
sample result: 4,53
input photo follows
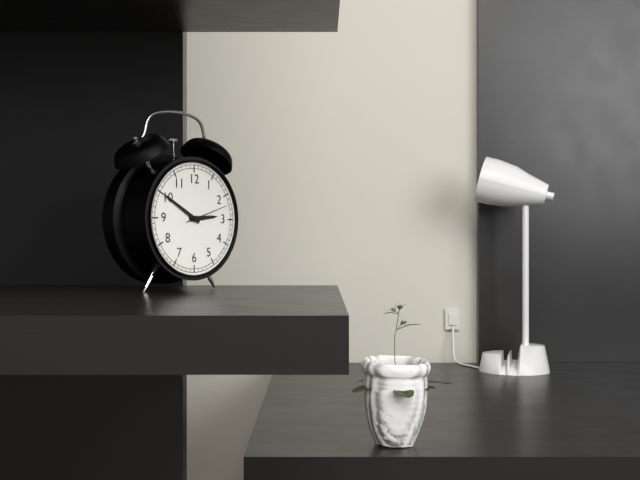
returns 2,50
